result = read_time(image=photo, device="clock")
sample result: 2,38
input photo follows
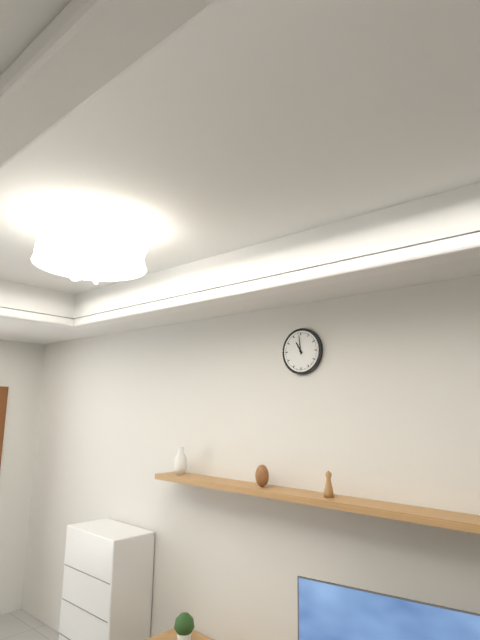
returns 10,59
